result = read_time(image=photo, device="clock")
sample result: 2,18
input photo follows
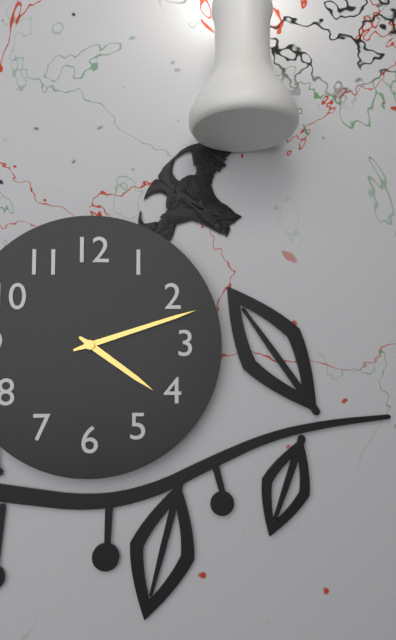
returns 4,12
